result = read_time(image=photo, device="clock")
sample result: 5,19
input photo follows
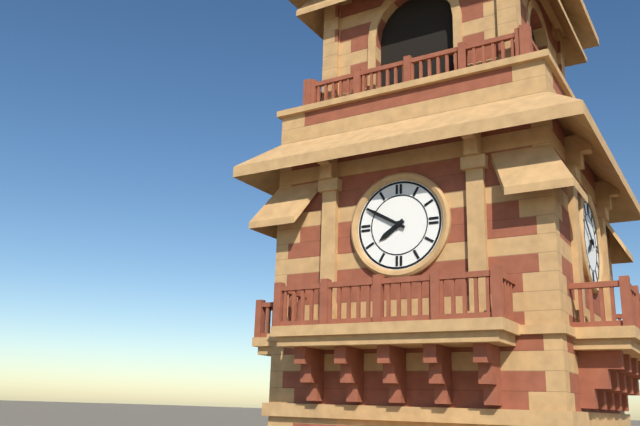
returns 7,50
